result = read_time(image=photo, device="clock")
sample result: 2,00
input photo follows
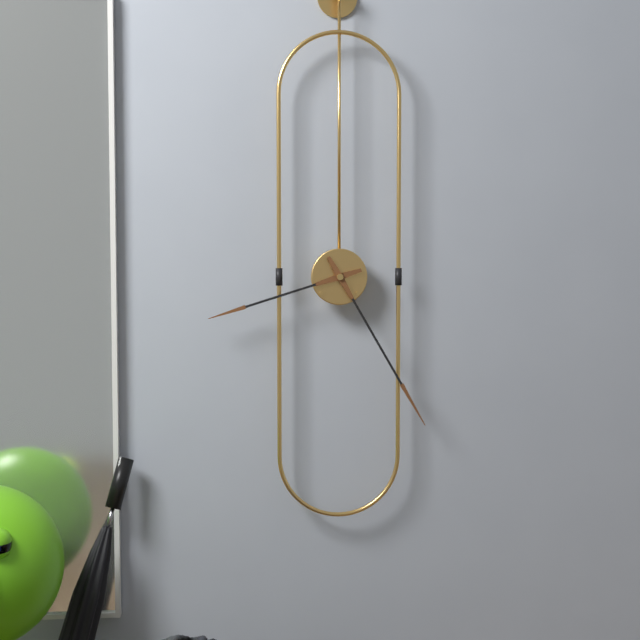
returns 8,25
